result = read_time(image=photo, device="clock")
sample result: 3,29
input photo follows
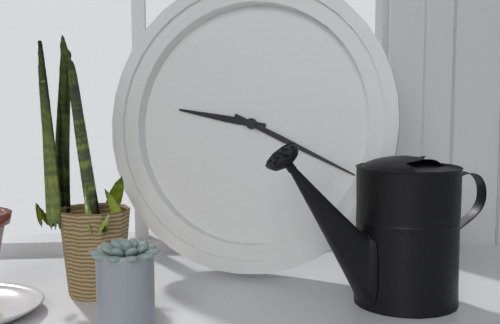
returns 9,19
